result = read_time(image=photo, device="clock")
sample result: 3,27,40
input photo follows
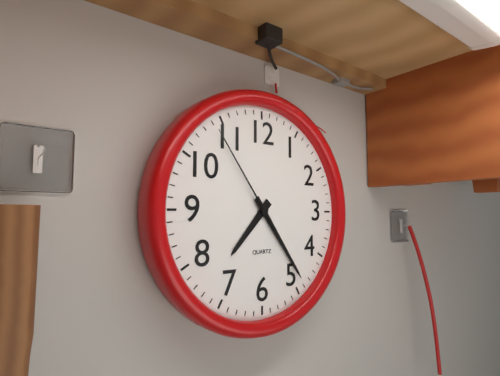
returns 7,24,54
